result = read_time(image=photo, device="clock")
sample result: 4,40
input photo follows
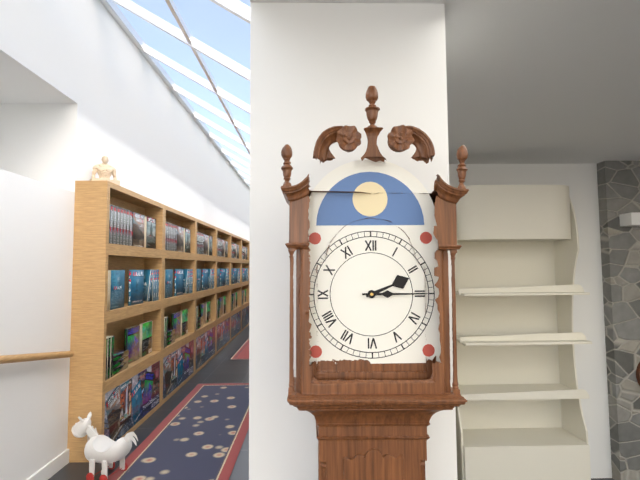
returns 2,15
